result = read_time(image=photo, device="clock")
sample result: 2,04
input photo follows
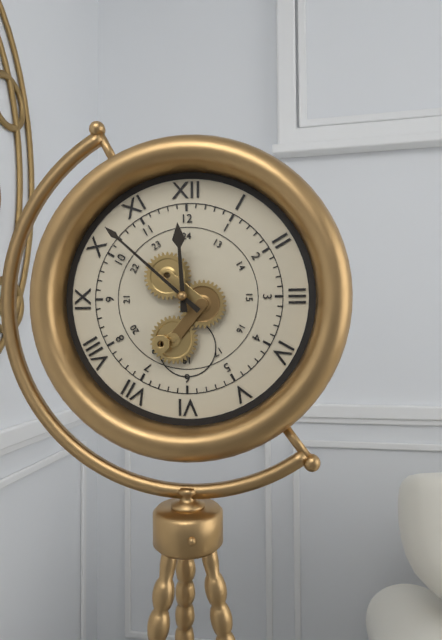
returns 11,52
